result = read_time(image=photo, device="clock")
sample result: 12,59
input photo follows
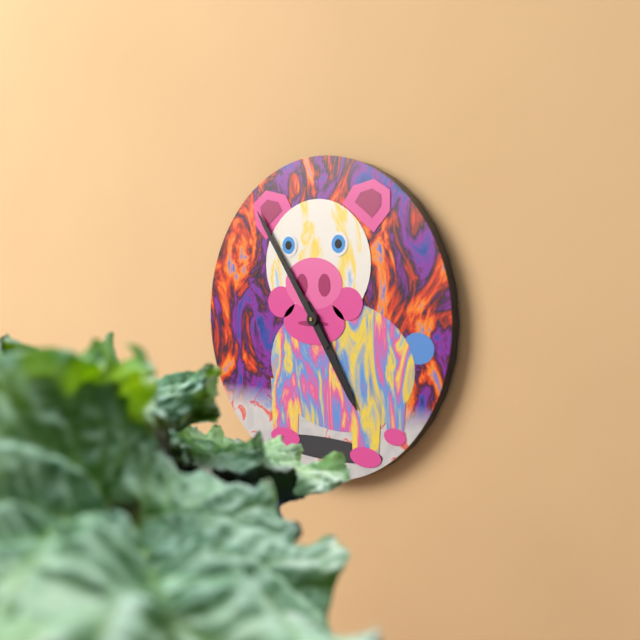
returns 4,54
